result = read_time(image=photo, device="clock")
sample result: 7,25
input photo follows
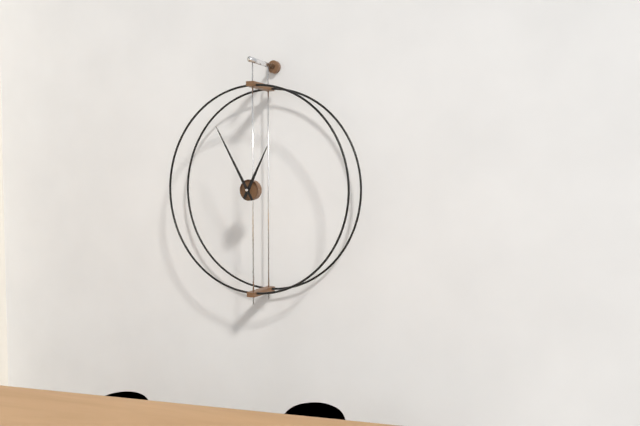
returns 12,55
